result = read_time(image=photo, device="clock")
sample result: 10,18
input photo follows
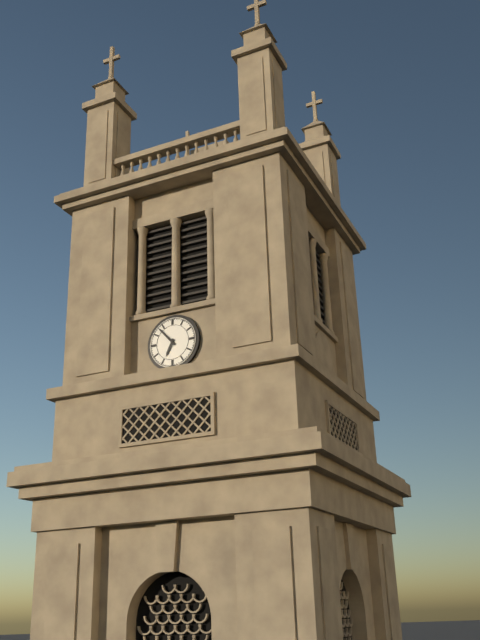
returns 6,53
